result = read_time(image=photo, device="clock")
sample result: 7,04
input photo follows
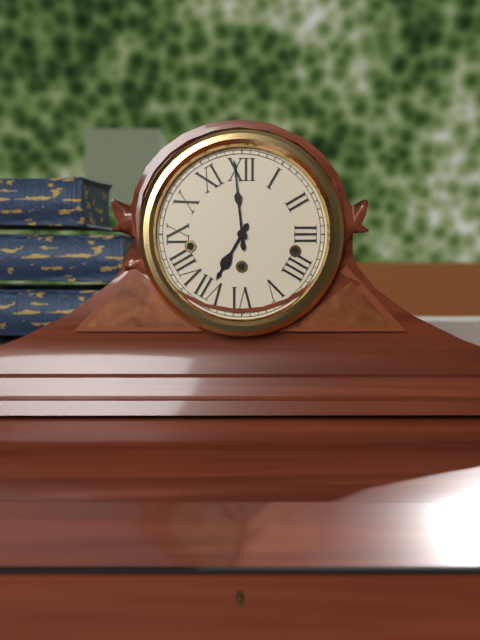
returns 6,59
